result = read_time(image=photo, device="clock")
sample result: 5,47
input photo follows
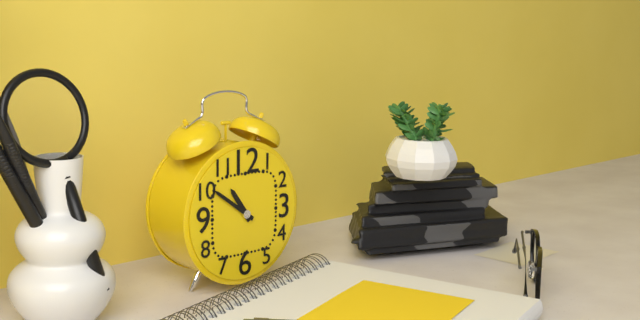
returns 10,51
